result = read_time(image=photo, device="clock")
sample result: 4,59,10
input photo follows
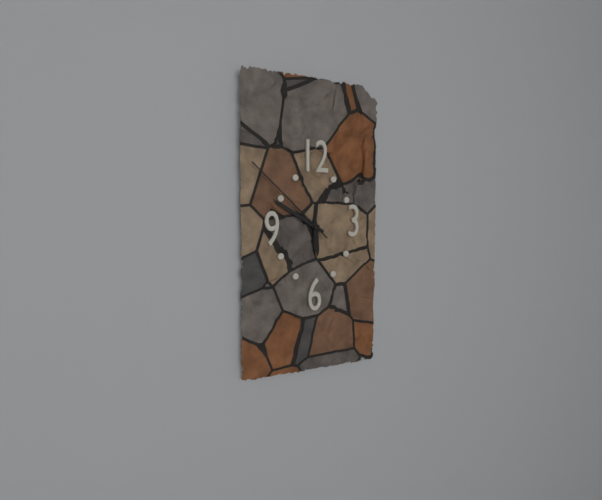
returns 5,50,52
